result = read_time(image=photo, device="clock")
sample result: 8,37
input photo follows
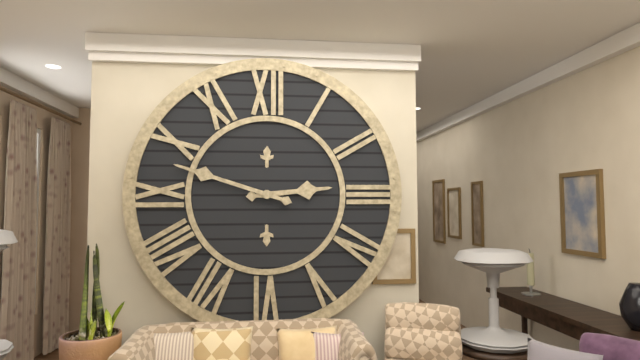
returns 2,48
